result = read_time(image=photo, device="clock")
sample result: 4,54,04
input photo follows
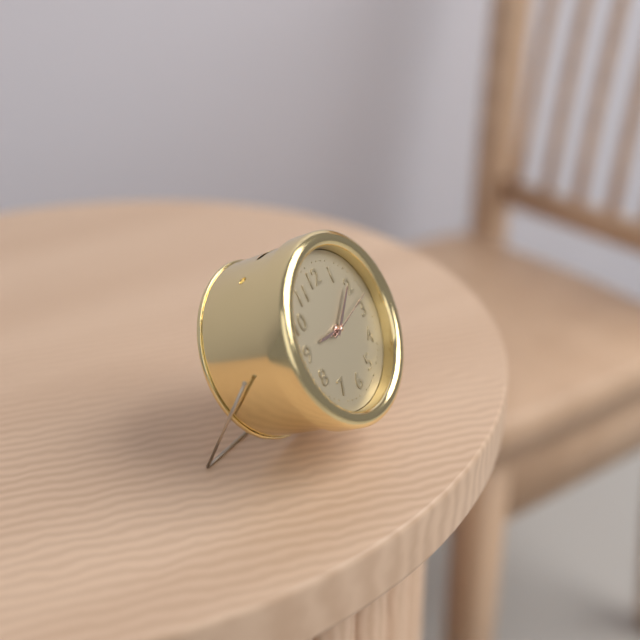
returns 9,09,13
